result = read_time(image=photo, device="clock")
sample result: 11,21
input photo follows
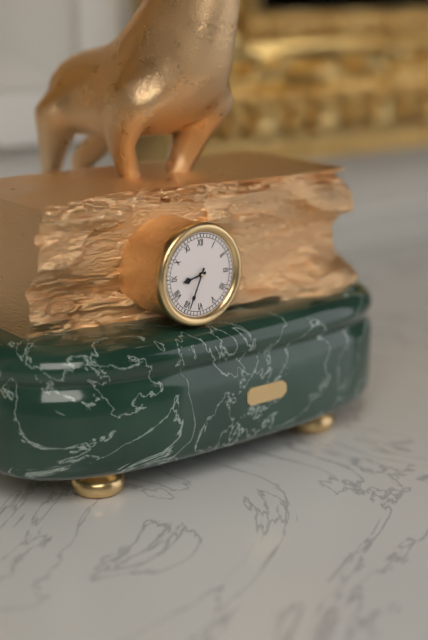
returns 8,34
